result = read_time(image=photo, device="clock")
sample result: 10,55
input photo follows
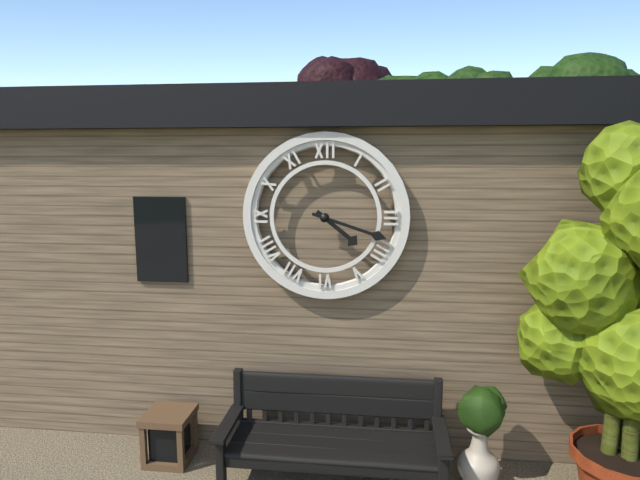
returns 4,18
